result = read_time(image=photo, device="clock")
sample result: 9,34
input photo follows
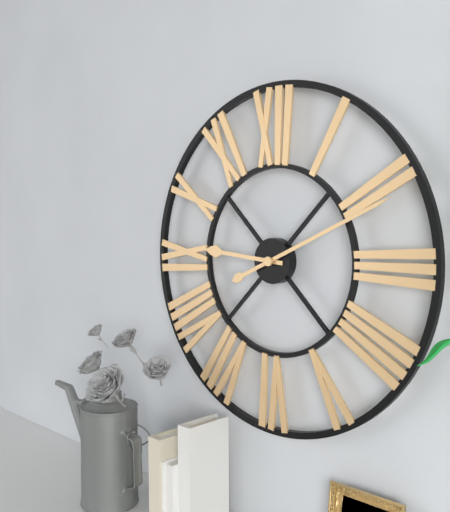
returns 9,11
